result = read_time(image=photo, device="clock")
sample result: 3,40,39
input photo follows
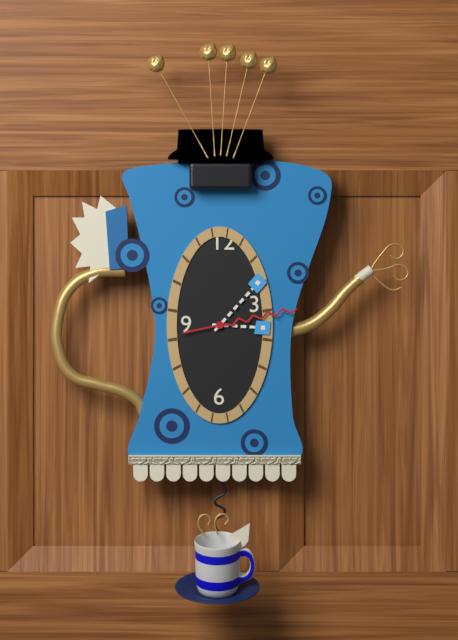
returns 3,07,13
